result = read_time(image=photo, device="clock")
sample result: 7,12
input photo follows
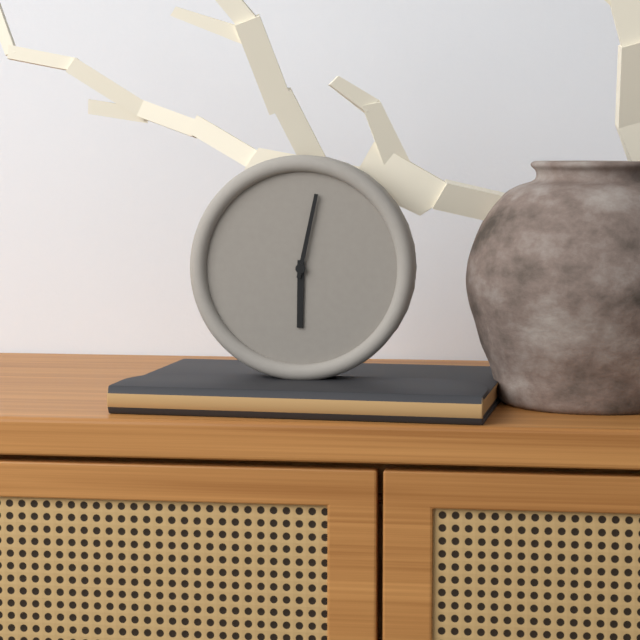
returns 6,02
